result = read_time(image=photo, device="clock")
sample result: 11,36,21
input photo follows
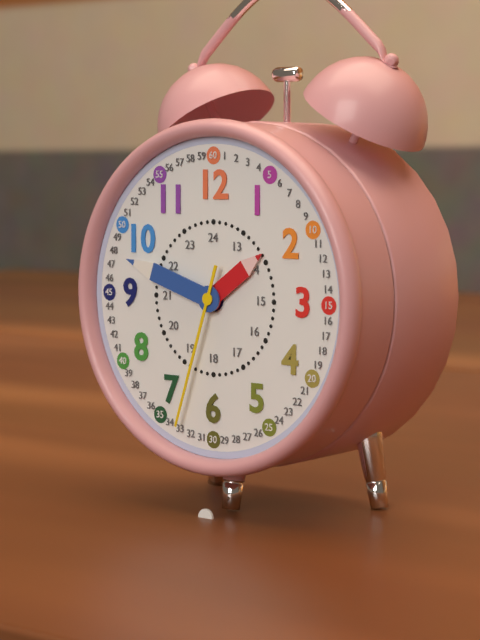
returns 1,48,33
